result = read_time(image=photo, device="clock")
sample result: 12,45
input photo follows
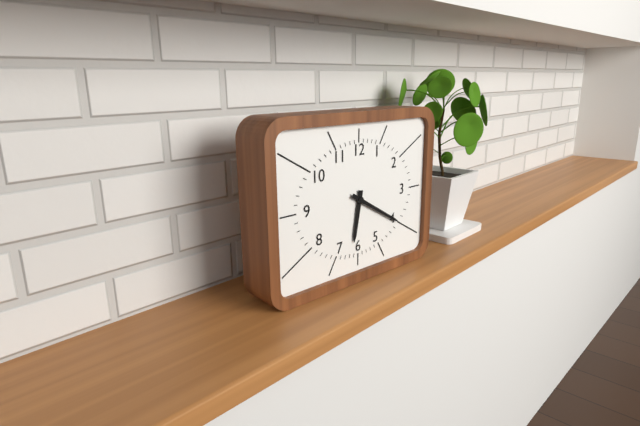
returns 6,20
